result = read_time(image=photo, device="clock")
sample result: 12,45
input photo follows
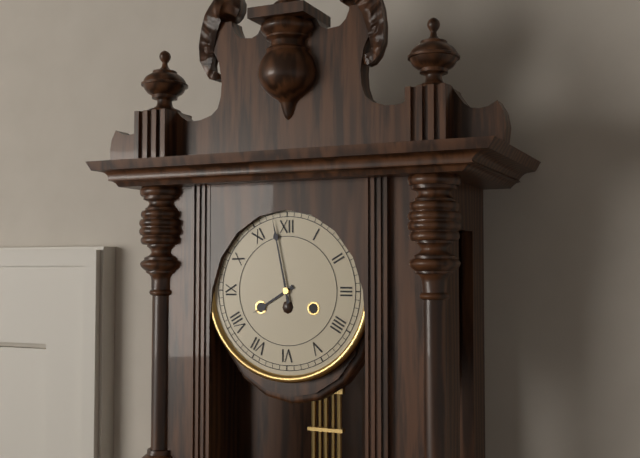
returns 7,58
